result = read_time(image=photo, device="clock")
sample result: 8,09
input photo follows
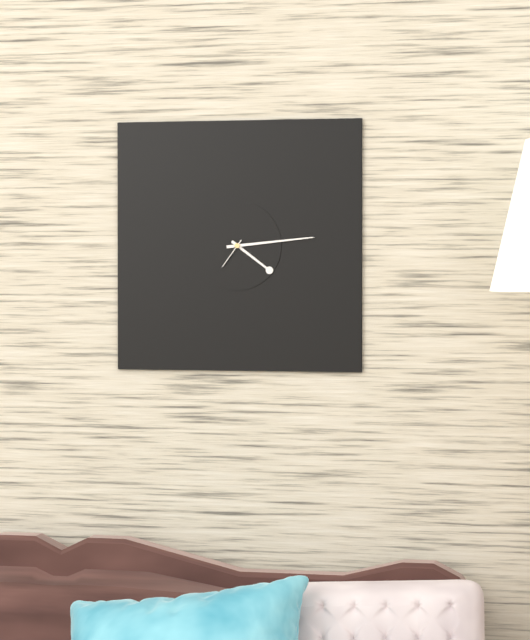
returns 4,14
